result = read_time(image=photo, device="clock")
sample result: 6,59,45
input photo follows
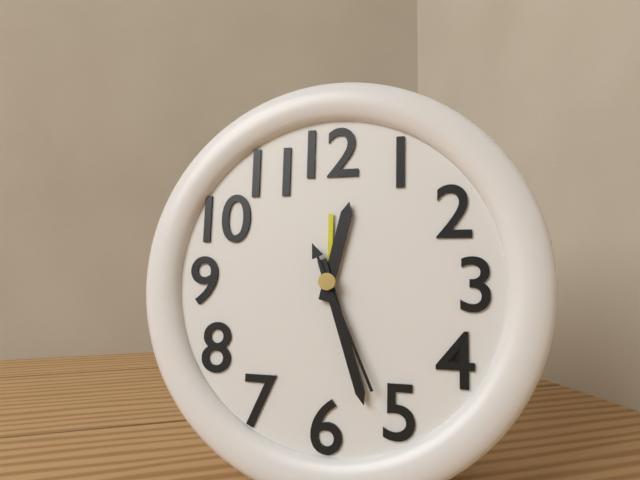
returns 12,27,26
